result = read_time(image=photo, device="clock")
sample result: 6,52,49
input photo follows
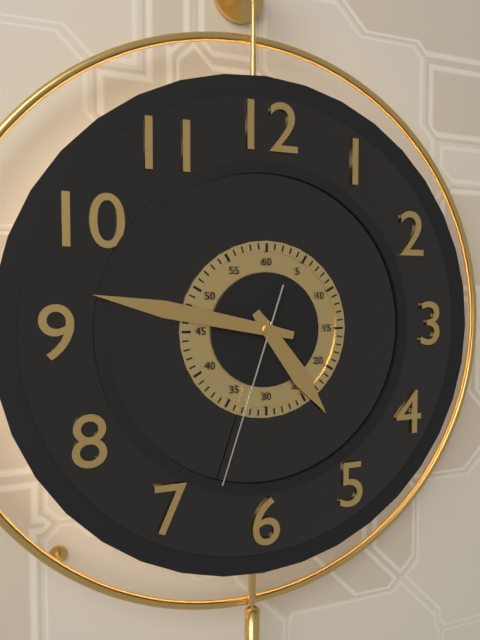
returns 4,47,33
